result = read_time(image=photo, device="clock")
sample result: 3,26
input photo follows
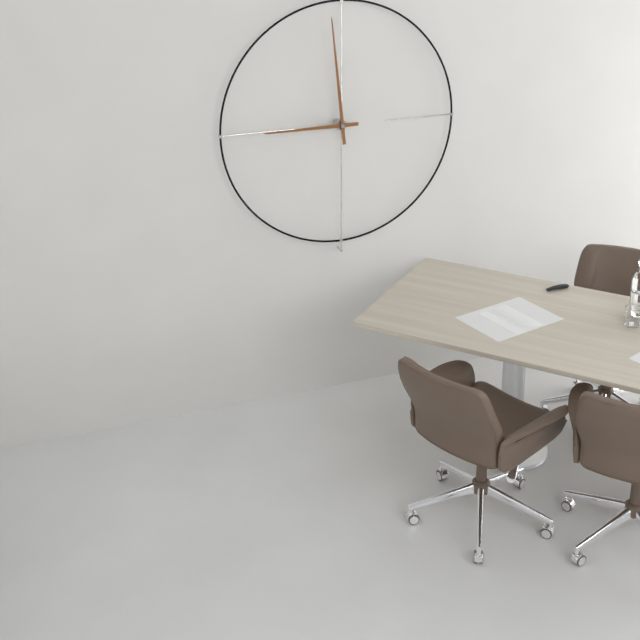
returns 8,59
